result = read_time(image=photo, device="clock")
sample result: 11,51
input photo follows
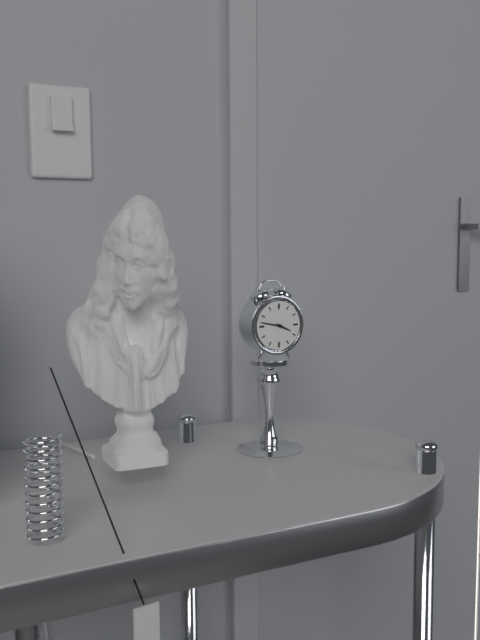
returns 3,47
